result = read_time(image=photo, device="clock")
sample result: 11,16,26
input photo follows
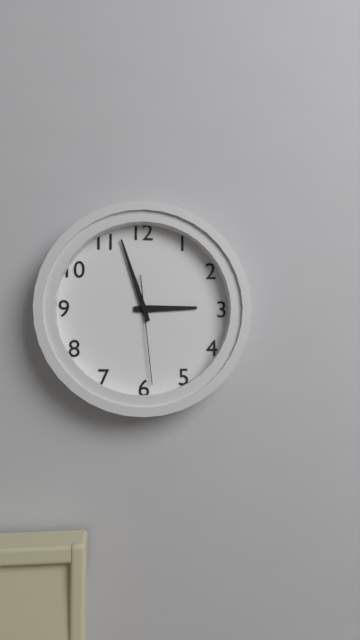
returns 2,57,29
